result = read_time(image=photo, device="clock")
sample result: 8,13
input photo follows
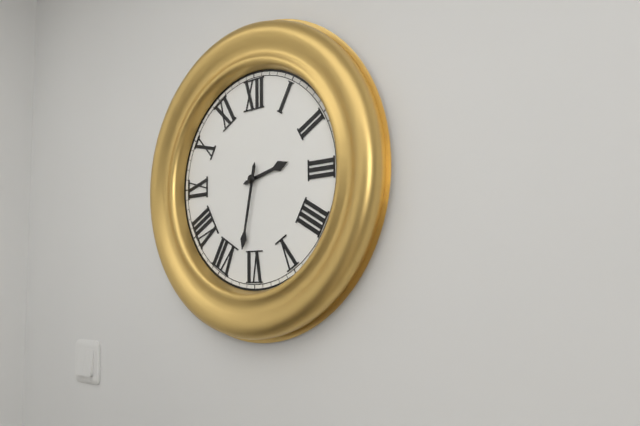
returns 2,32
